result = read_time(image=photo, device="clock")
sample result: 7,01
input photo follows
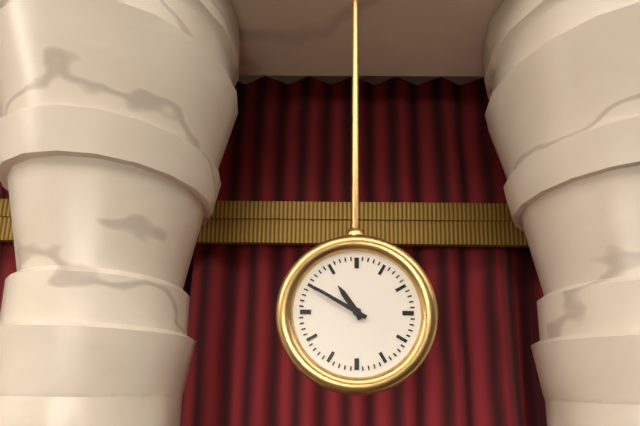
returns 10,50
